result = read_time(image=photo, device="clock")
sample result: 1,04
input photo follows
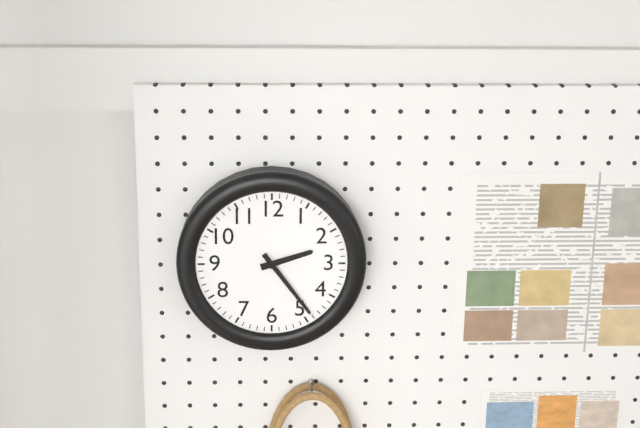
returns 2,24
